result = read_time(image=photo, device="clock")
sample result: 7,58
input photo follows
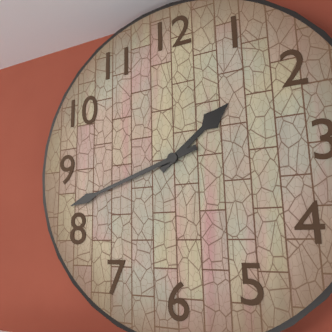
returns 1,42
